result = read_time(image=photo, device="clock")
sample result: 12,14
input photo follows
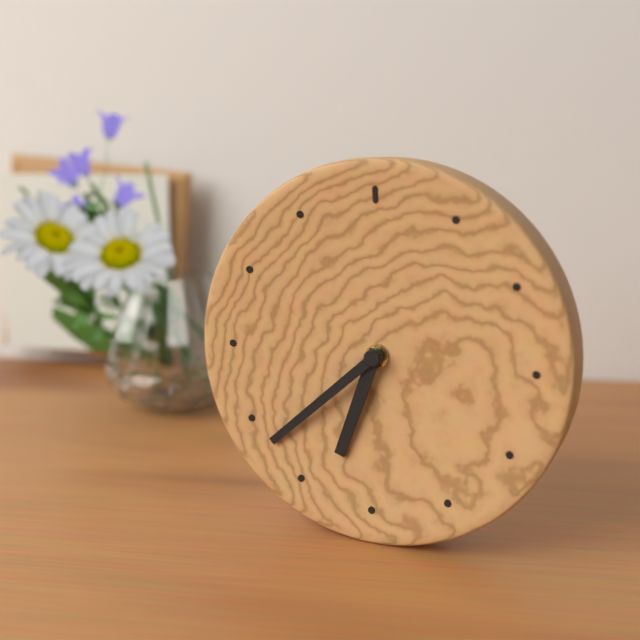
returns 6,38
